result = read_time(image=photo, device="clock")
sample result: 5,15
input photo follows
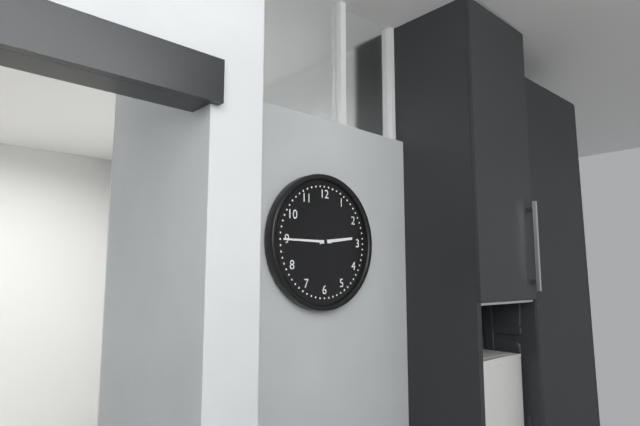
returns 2,45
